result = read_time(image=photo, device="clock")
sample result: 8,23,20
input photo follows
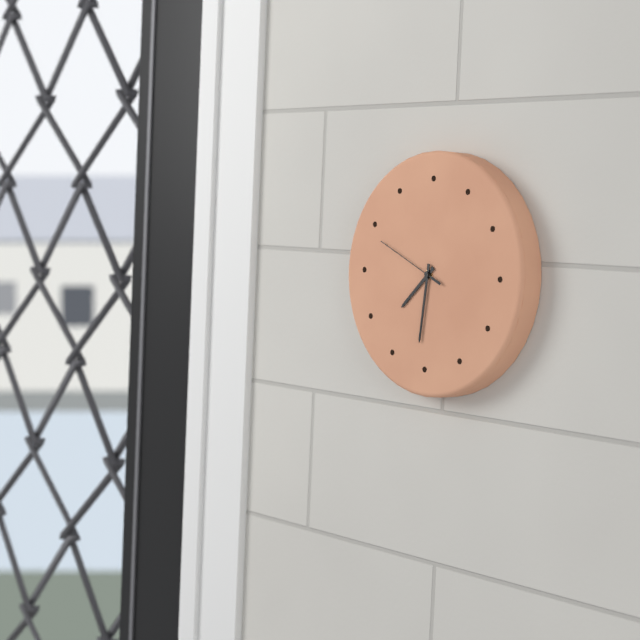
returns 7,31,49
